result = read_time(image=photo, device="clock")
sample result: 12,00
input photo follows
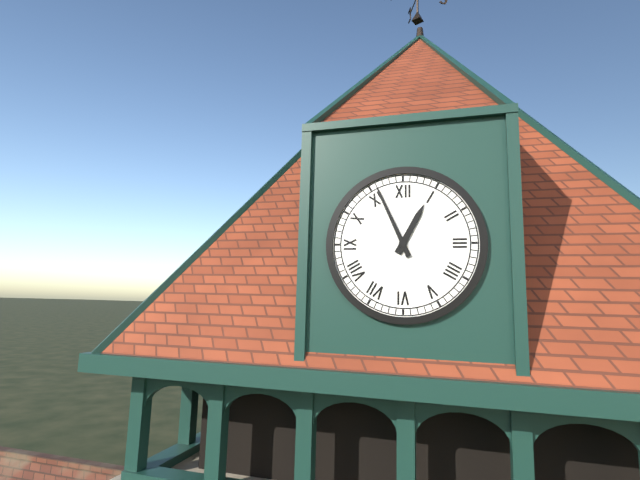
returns 12,56
